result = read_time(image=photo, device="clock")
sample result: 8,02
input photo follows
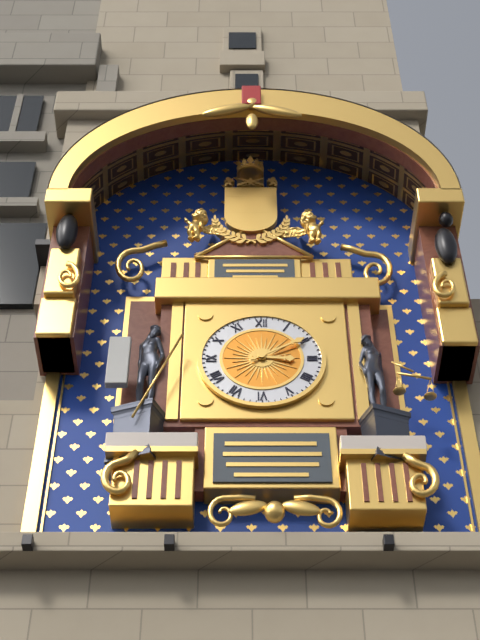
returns 3,10
